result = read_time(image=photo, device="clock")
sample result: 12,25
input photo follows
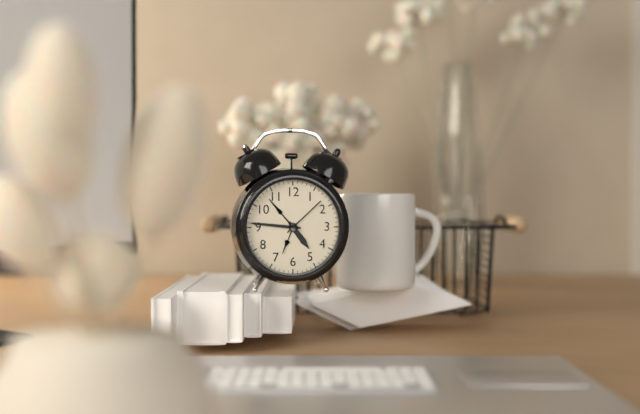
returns 4,46
